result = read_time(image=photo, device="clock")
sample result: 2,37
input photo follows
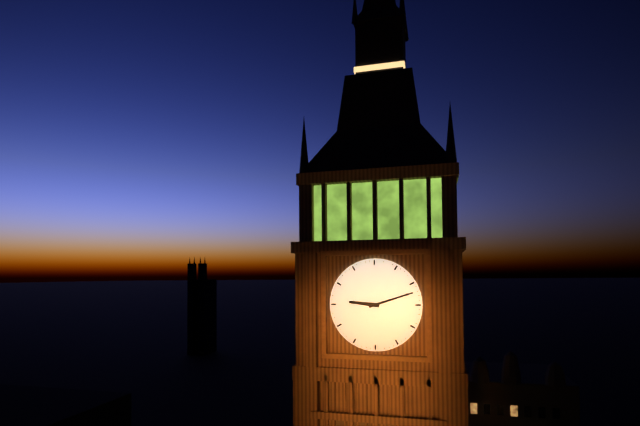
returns 9,12
